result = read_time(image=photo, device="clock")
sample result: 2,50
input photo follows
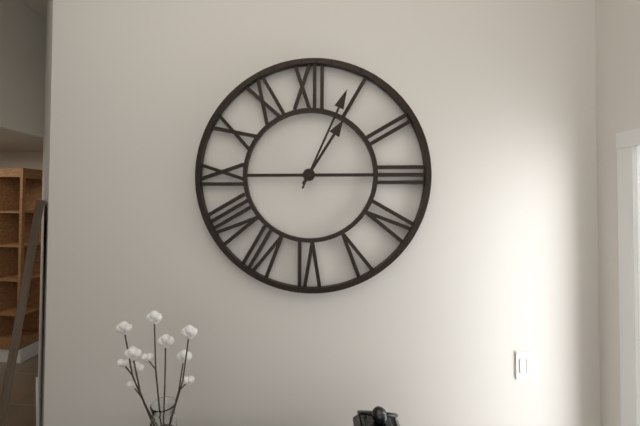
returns 1,04
